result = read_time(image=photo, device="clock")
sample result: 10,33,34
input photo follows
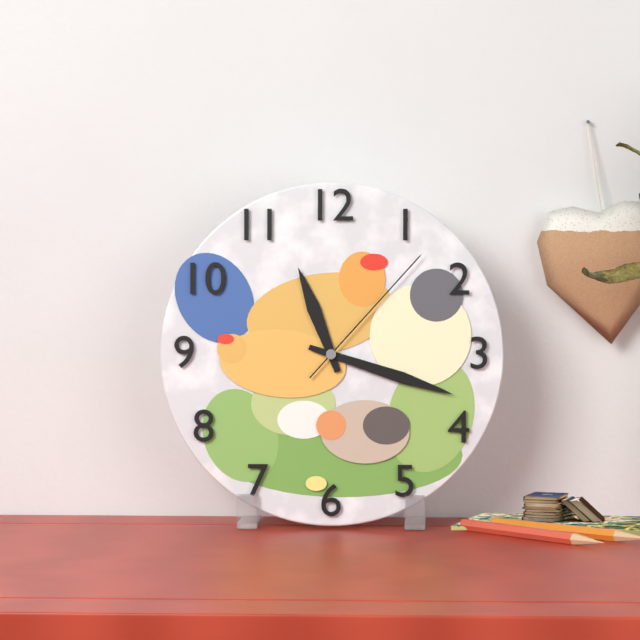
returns 11,18,07
